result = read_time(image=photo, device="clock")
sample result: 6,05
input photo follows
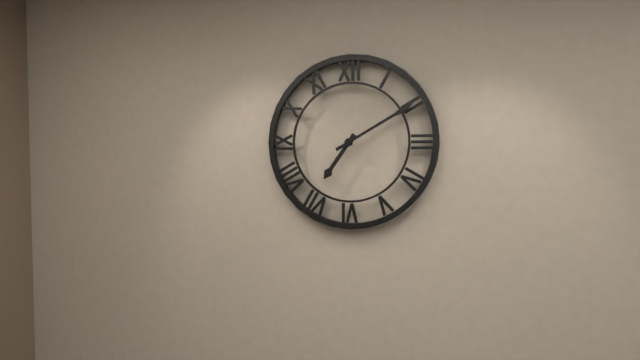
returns 7,10
